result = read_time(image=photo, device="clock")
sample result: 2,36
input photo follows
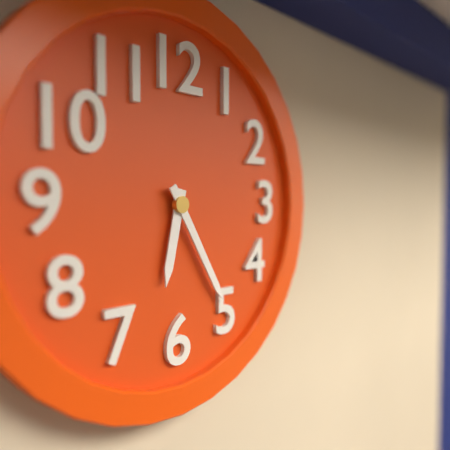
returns 6,25
